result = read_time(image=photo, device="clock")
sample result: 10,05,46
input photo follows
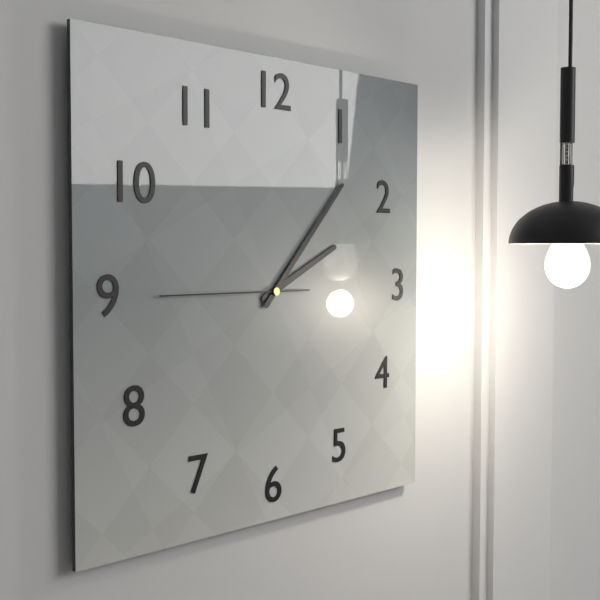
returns 2,07,45
